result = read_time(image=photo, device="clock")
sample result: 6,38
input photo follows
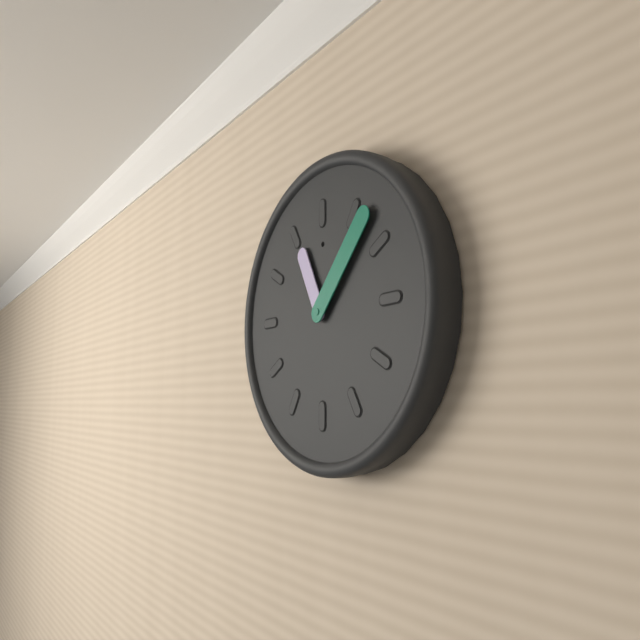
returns 11,07
